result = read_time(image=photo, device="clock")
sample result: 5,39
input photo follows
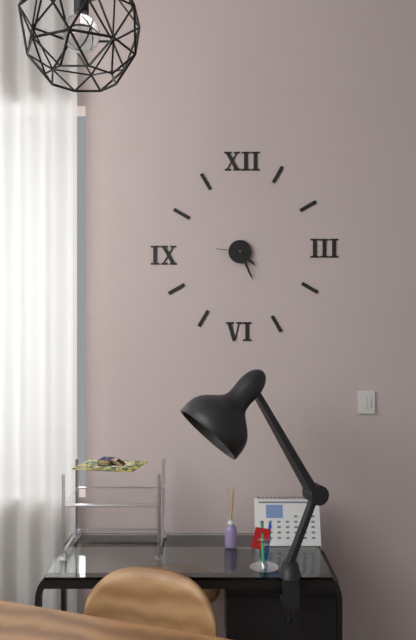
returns 4,26
